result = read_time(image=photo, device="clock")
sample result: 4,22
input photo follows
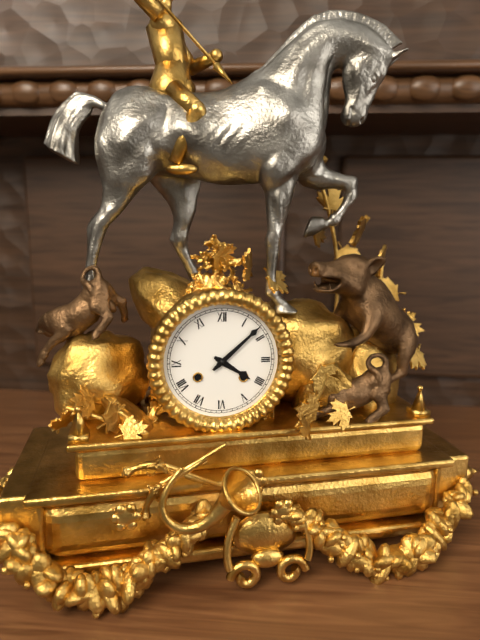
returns 4,08
